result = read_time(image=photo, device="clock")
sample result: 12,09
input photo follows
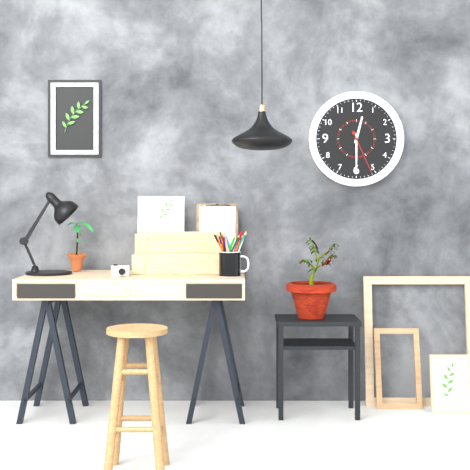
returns 12,30
